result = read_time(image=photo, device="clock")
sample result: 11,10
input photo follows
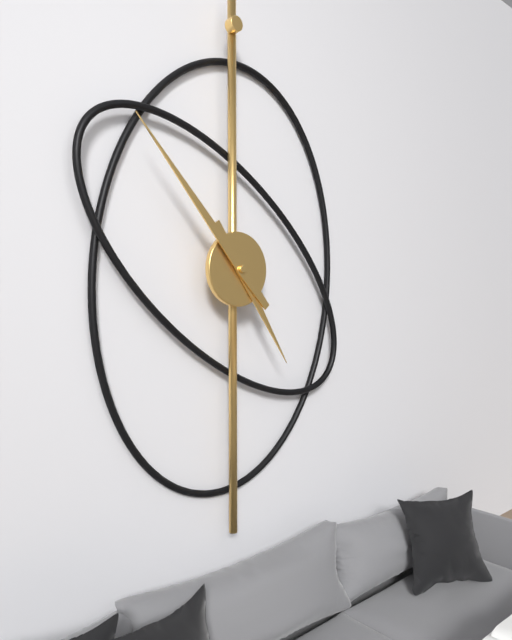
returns 4,53
